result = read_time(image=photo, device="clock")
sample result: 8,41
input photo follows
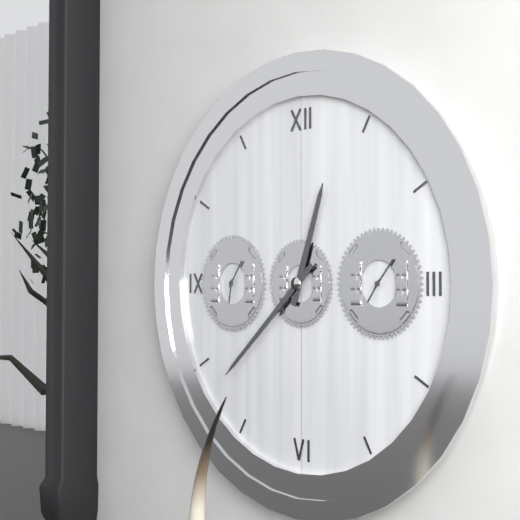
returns 12,38
